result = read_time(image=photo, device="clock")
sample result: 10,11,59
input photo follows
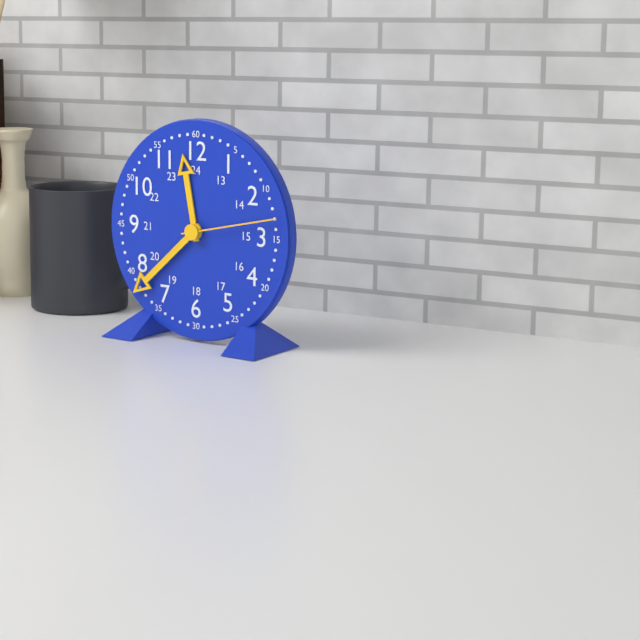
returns 11,38,13
